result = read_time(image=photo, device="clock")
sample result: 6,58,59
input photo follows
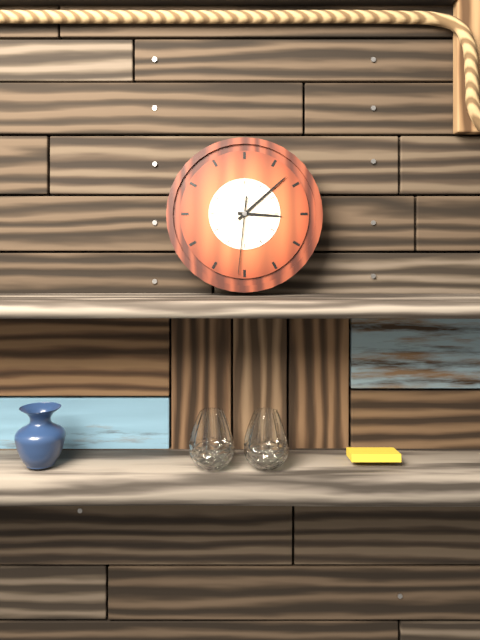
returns 3,08,31
